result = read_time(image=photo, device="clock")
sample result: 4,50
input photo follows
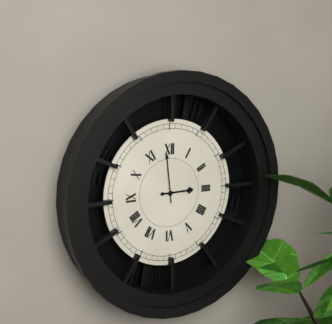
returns 2,59
